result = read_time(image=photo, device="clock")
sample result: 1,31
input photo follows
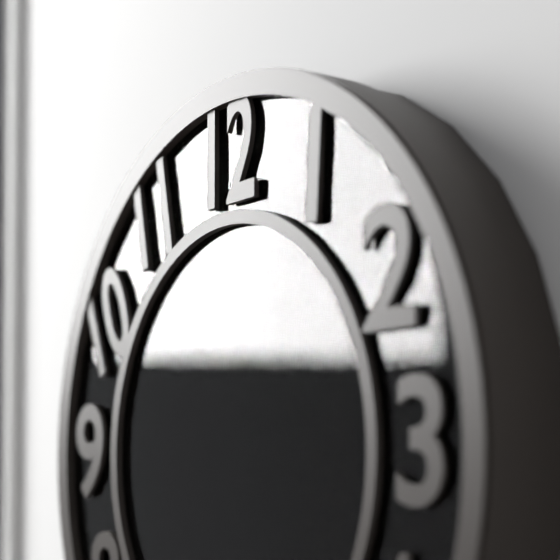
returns 8,54
